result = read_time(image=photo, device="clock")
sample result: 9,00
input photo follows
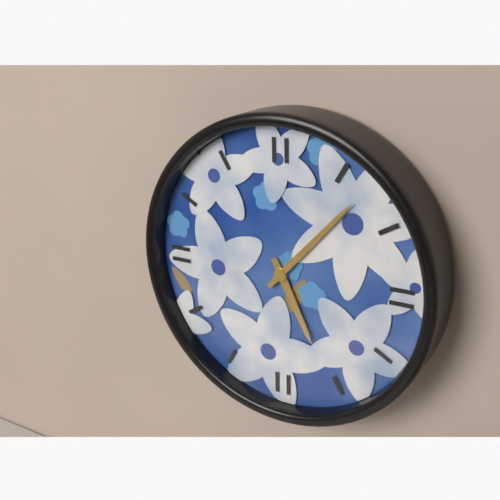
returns 5,07
